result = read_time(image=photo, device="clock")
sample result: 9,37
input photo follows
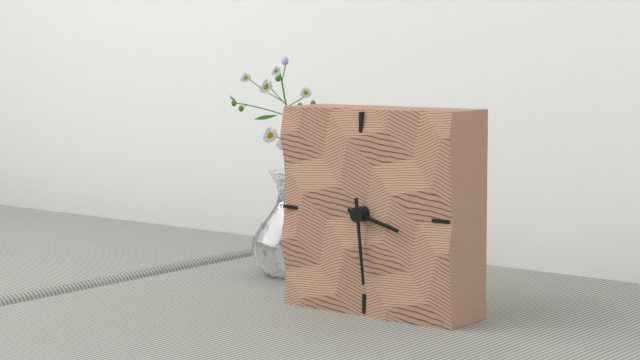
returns 3,29
